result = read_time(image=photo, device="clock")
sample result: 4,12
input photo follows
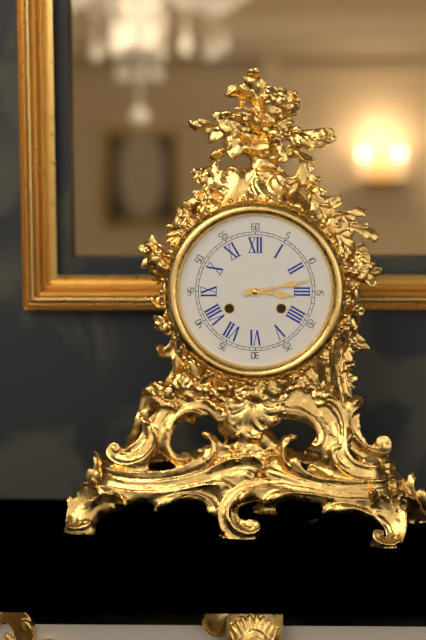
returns 3,13
